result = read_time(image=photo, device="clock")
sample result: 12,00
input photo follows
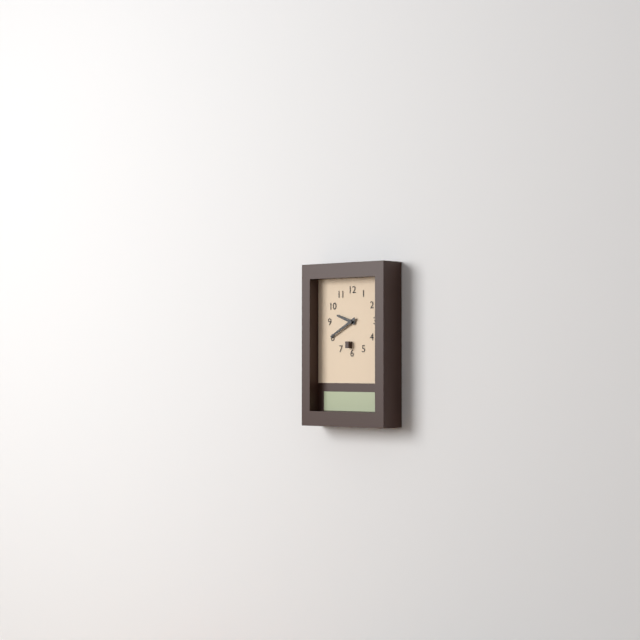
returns 9,40
